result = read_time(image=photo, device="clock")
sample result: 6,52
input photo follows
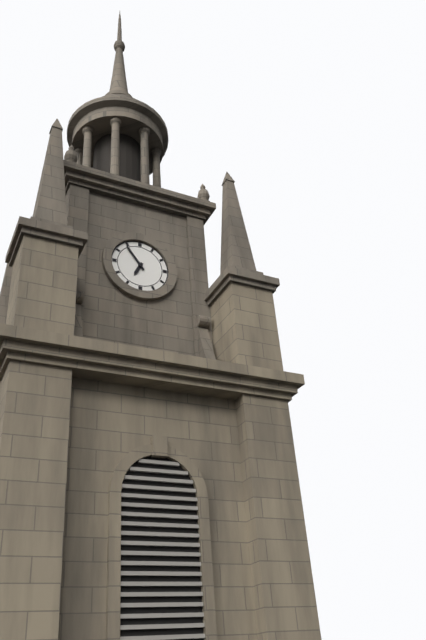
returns 6,54
